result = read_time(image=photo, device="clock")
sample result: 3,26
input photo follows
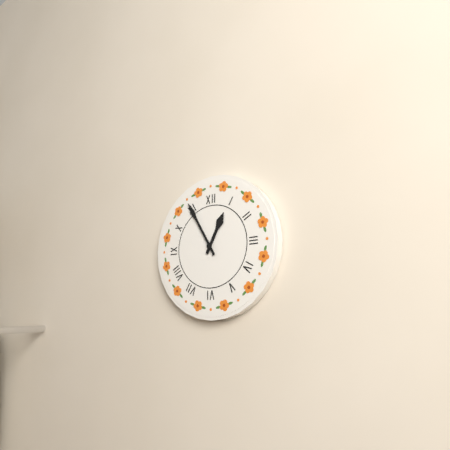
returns 12,55
